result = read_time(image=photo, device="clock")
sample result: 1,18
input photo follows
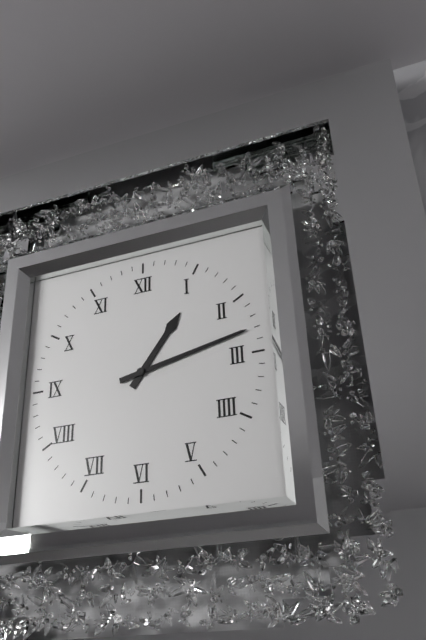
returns 1,13
